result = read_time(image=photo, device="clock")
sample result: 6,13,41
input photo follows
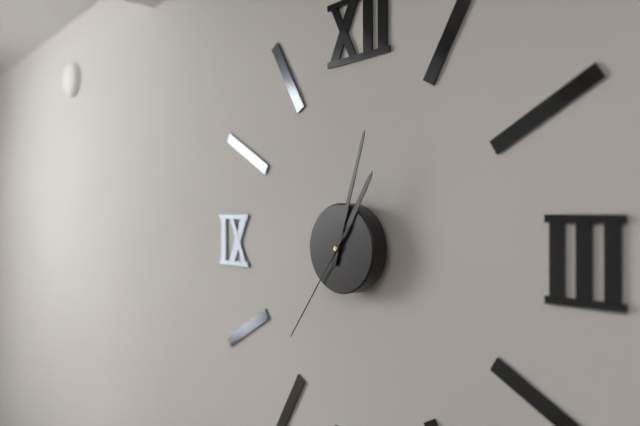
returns 1,03,36
